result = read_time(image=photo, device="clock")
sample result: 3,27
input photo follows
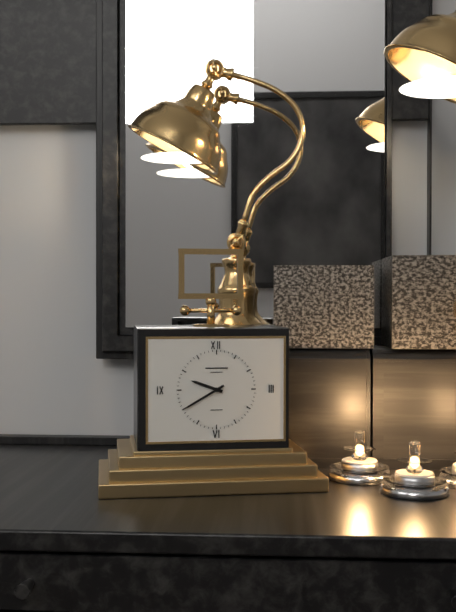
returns 9,40
